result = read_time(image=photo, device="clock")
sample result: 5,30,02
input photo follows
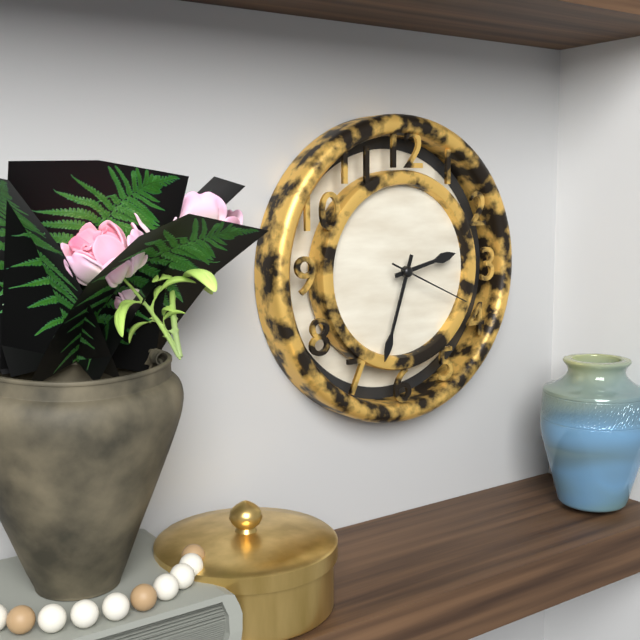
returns 2,33,19
